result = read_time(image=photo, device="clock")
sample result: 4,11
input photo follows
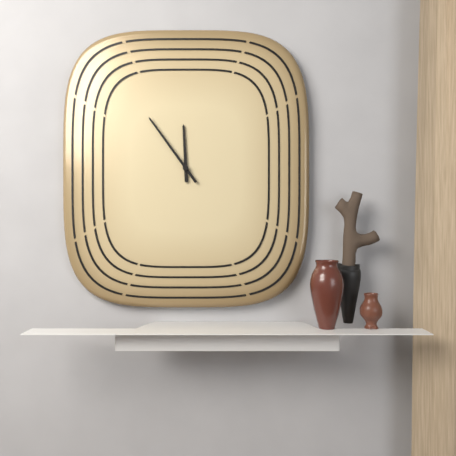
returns 11,54
